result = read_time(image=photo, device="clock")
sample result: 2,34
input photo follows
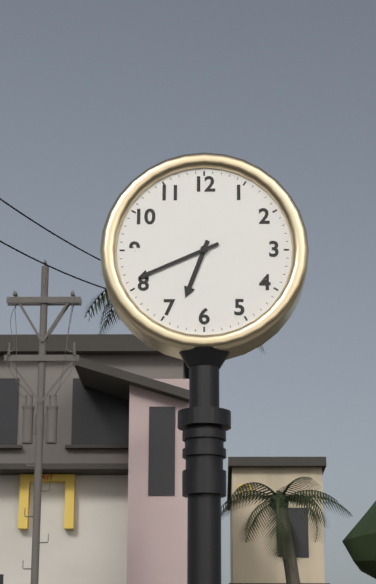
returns 6,41
